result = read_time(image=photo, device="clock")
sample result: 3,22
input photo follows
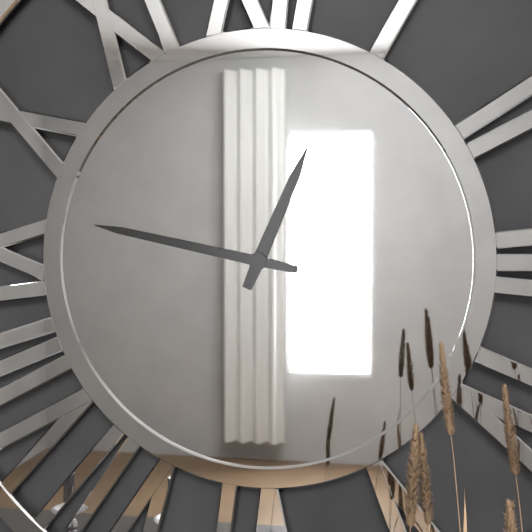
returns 12,47
